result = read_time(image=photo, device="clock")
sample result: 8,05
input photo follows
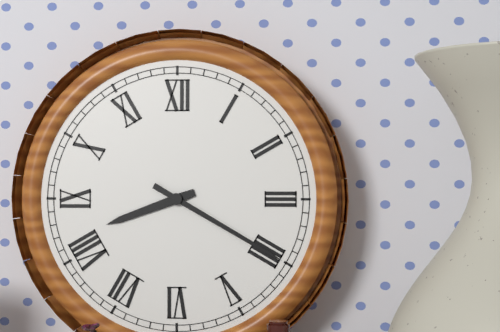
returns 8,20
